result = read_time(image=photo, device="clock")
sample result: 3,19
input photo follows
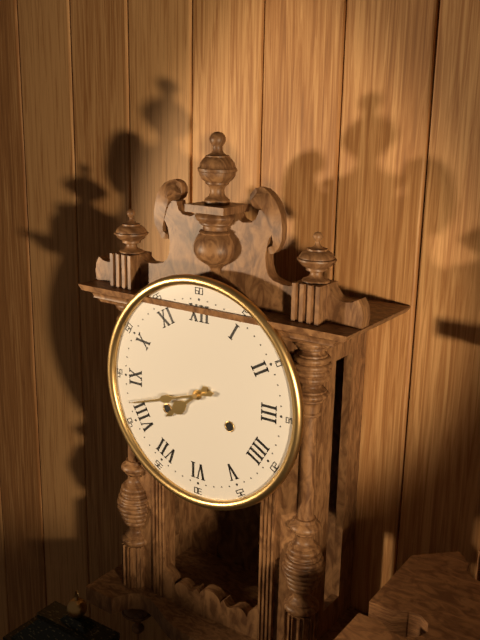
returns 7,42
